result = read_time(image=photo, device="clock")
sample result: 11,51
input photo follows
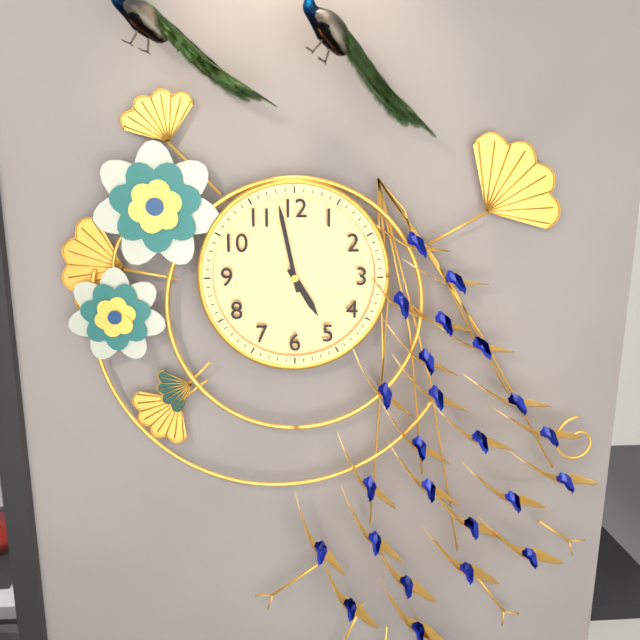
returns 4,58
